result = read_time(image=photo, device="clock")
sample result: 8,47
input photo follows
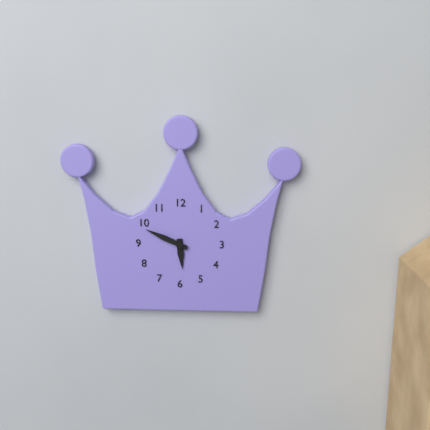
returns 5,49
